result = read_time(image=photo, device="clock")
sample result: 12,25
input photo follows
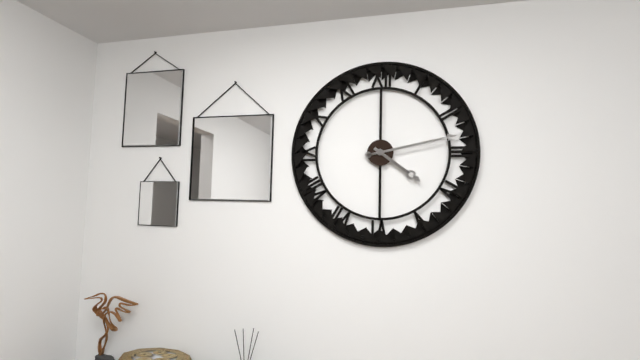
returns 4,13
